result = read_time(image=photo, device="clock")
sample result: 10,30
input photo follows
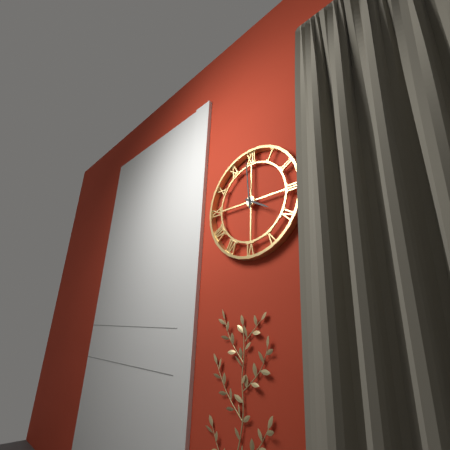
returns 3,59
